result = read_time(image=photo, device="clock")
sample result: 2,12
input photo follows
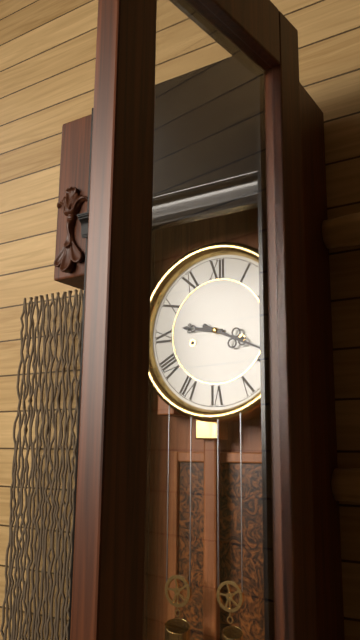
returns 9,19
